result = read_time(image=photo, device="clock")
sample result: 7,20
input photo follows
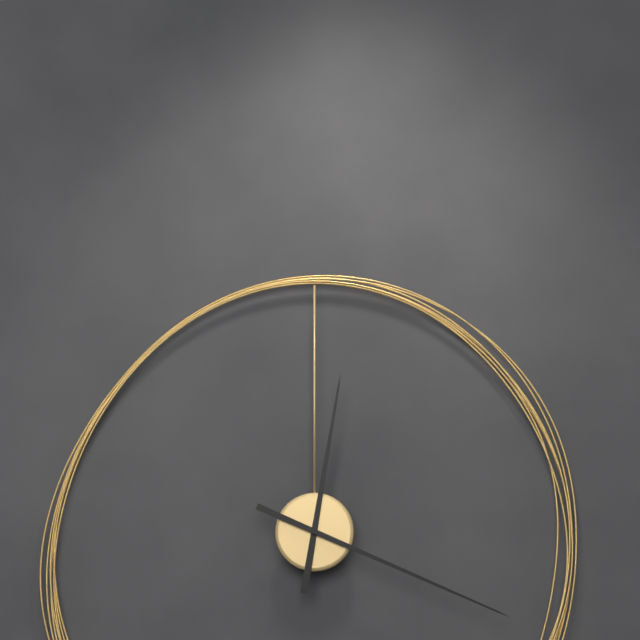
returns 12,19
